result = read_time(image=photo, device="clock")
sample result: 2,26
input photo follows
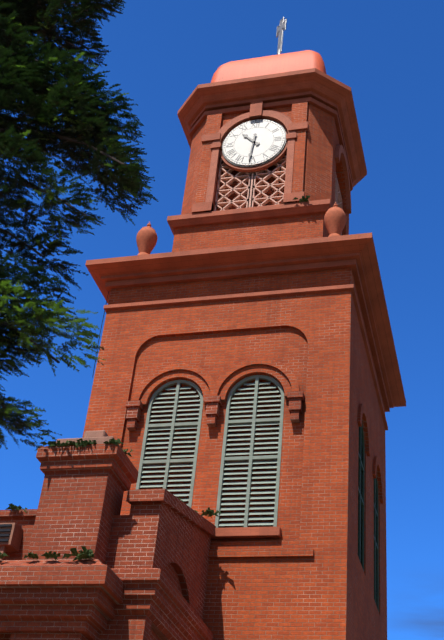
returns 10,31
